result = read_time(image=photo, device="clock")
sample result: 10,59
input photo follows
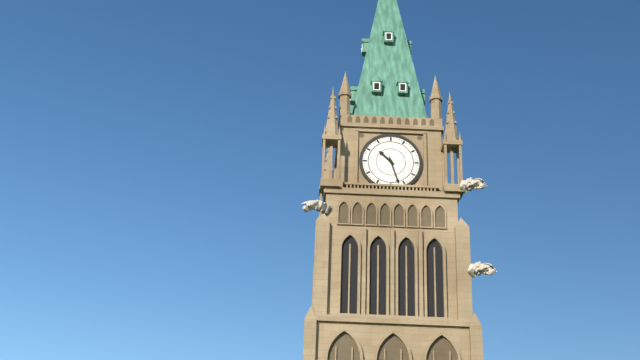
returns 10,27
